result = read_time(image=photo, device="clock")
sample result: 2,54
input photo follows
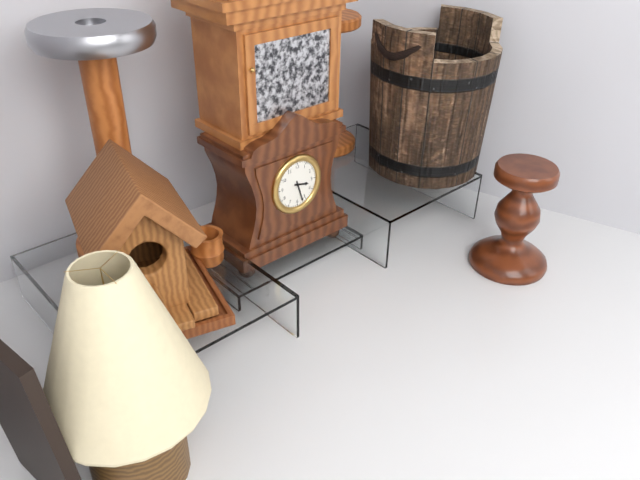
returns 3,27
